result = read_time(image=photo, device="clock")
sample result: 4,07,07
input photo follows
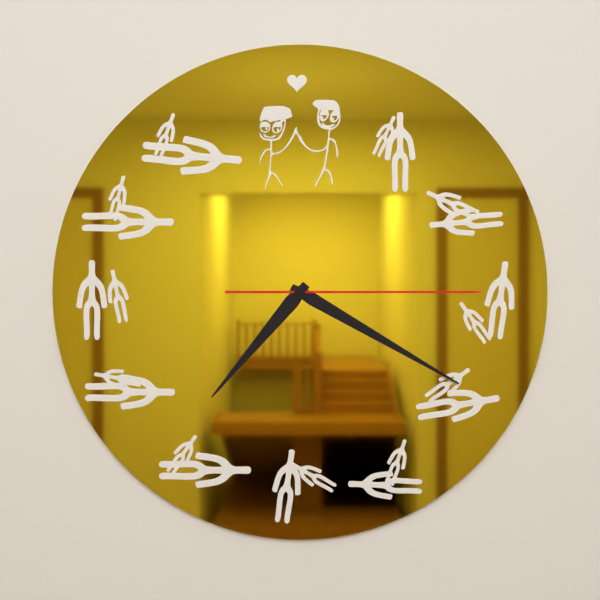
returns 7,20,15
